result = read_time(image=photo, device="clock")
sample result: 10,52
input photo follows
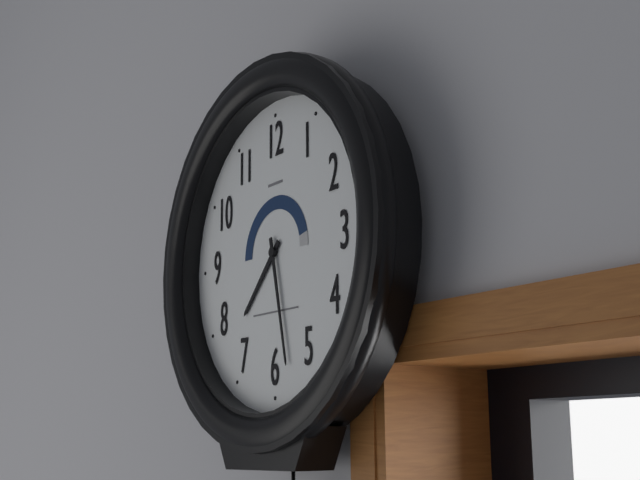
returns 7,28
